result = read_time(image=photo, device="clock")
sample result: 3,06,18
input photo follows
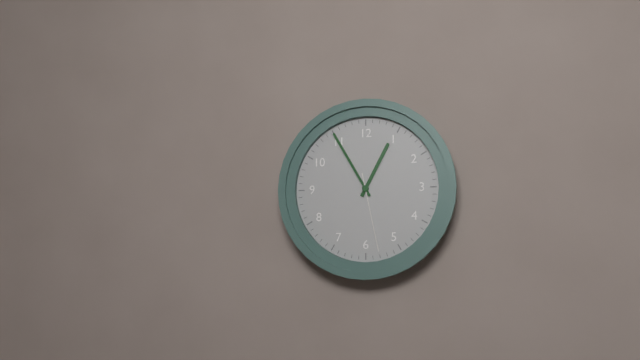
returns 12,55,28
